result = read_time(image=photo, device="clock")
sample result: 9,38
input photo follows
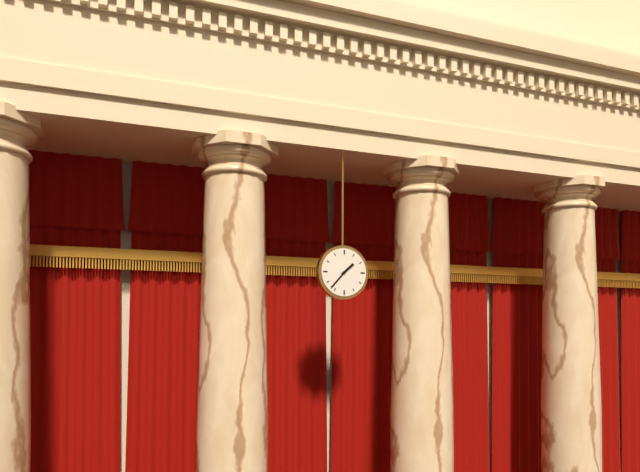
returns 1,37
